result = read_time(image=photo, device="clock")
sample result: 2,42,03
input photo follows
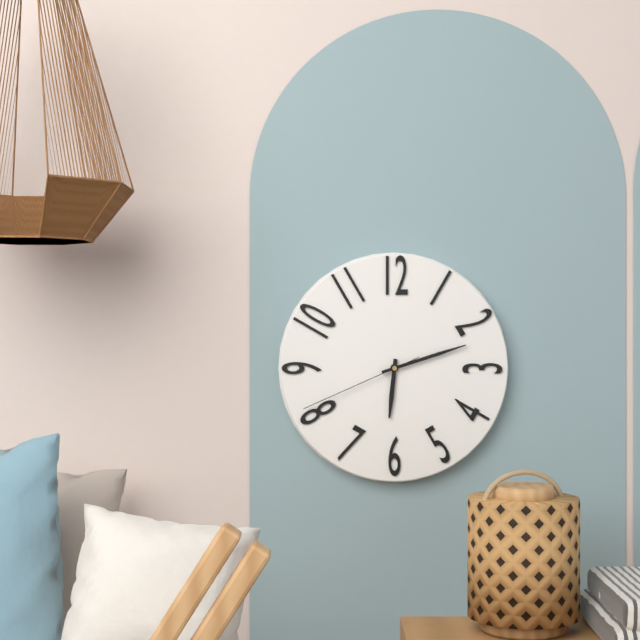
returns 6,12,41
